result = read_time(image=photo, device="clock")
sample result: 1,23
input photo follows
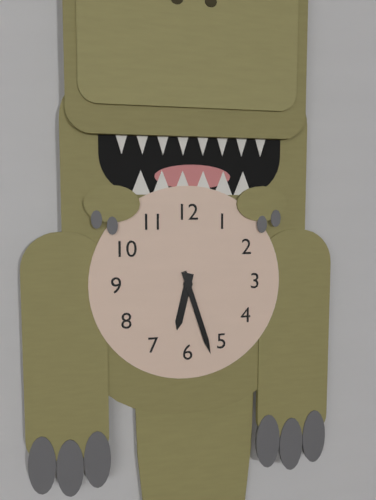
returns 6,27
